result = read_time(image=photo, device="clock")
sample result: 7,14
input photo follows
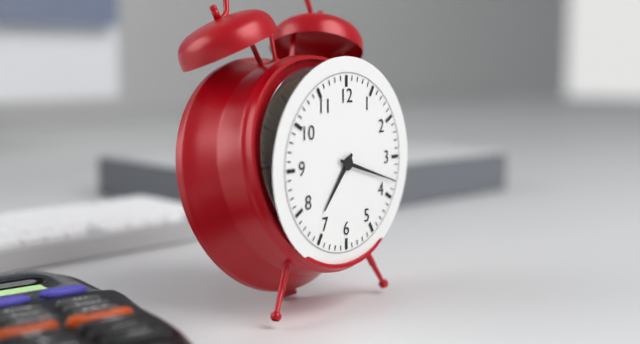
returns 7,18
